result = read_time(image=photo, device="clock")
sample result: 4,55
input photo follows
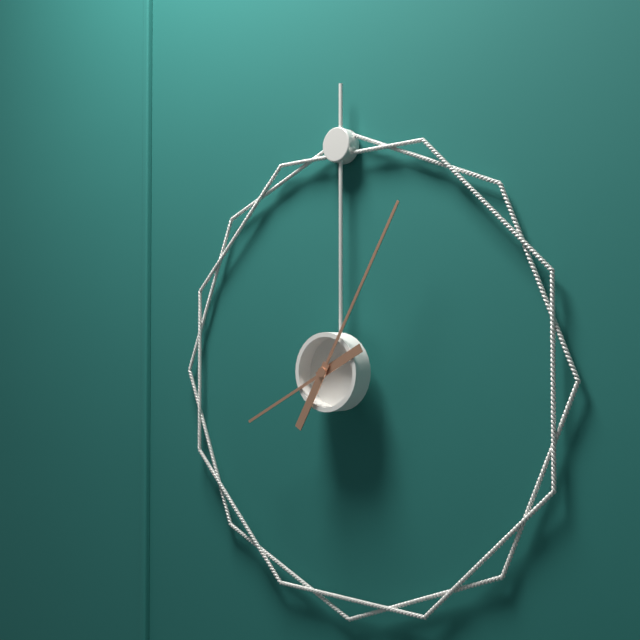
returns 8,05
